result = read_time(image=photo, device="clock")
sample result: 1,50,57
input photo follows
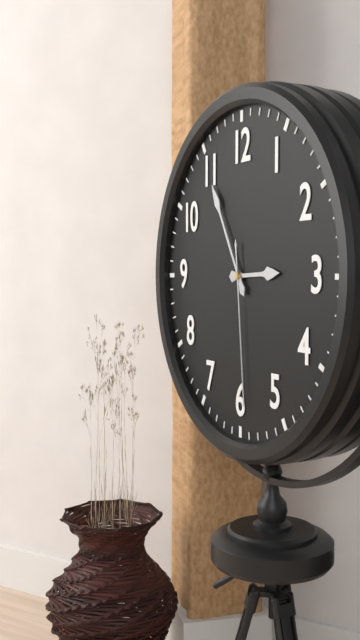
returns 2,55,29
